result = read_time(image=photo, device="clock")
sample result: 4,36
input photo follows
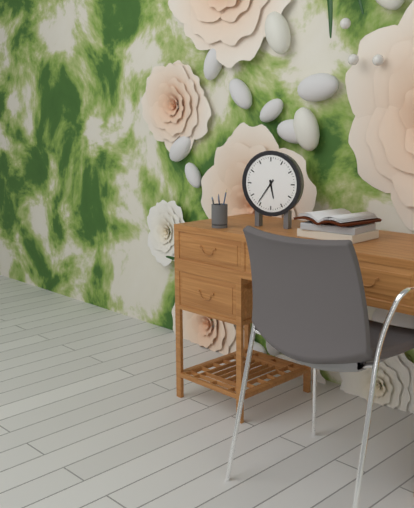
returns 5,36
